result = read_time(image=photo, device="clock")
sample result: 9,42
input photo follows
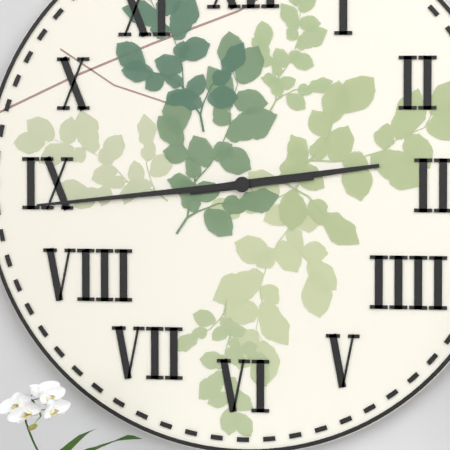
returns 2,44
